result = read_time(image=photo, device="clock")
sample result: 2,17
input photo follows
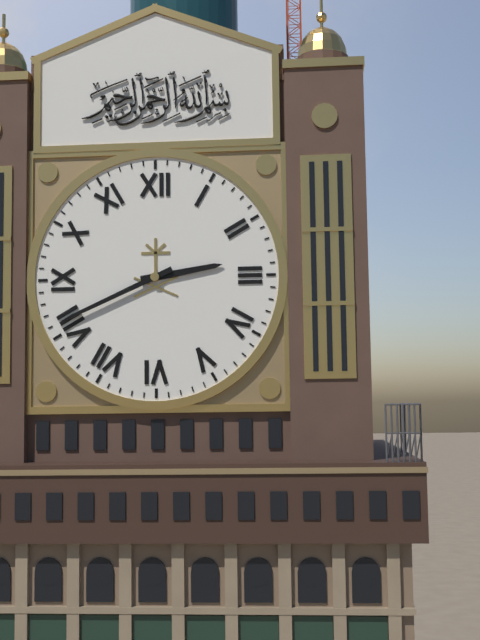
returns 2,41
